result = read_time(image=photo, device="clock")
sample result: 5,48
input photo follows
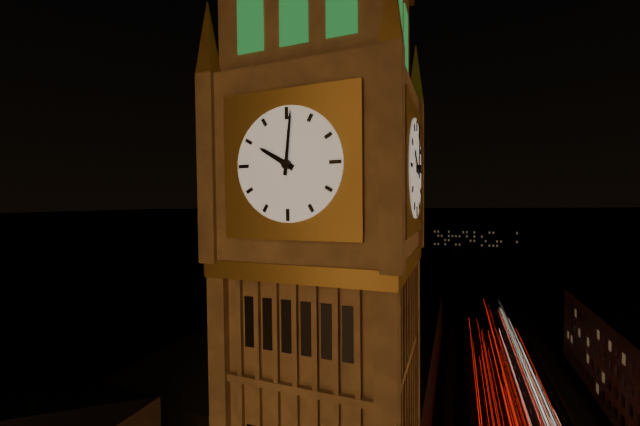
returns 10,01
